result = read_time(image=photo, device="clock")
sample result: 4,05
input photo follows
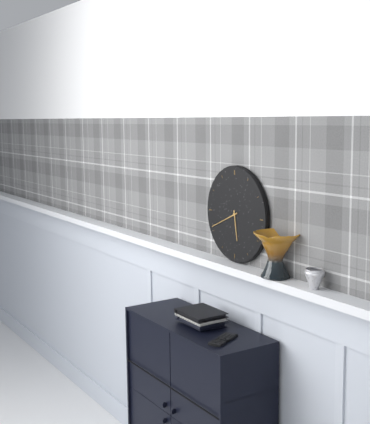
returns 5,41
